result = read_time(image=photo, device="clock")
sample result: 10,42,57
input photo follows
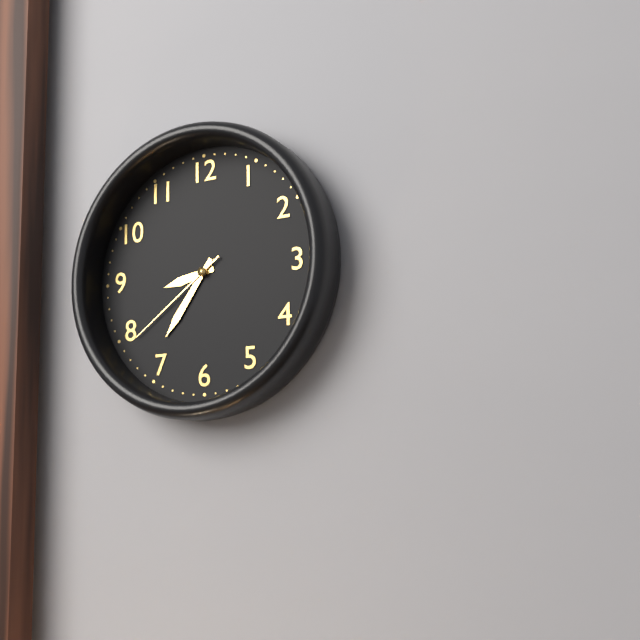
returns 8,36,39
